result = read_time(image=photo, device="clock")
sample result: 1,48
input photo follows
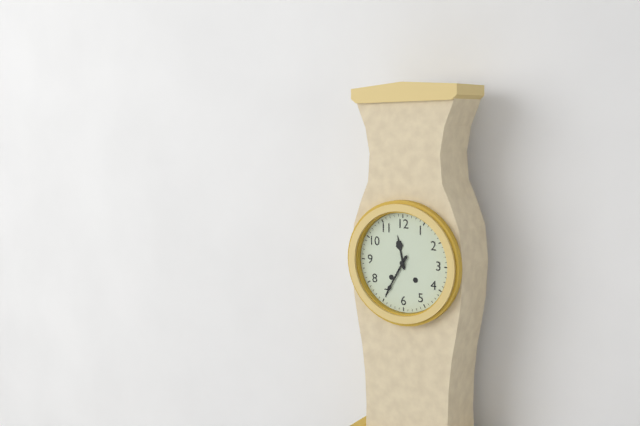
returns 11,35
